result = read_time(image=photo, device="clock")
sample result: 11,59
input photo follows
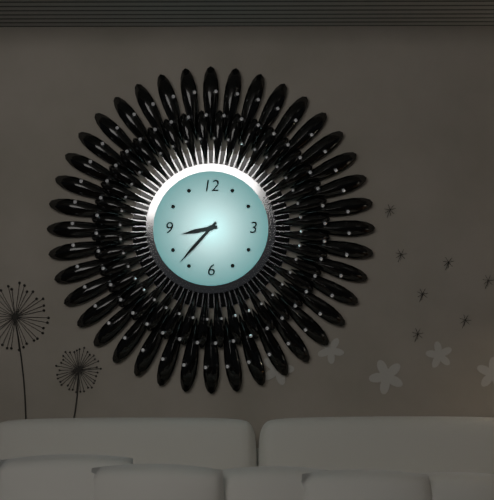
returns 8,37
